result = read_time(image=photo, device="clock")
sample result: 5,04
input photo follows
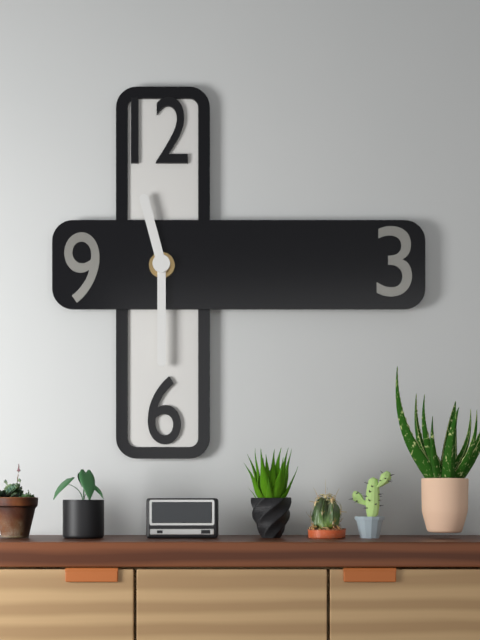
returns 11,30
